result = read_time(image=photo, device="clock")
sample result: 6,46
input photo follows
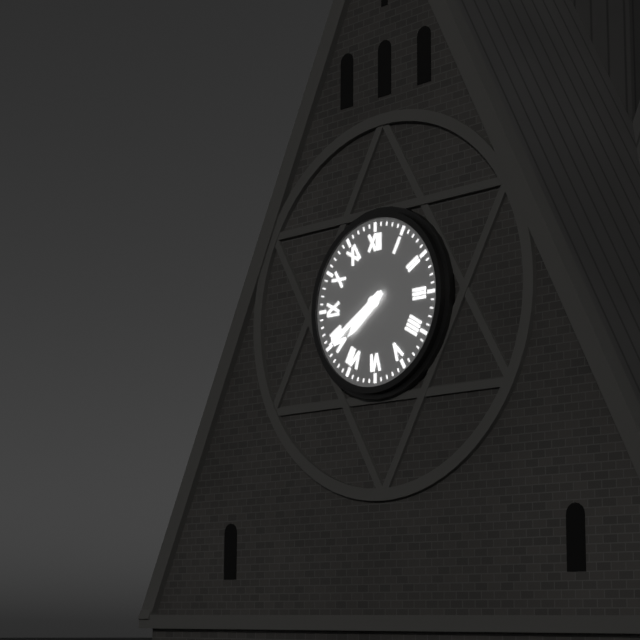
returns 7,40
